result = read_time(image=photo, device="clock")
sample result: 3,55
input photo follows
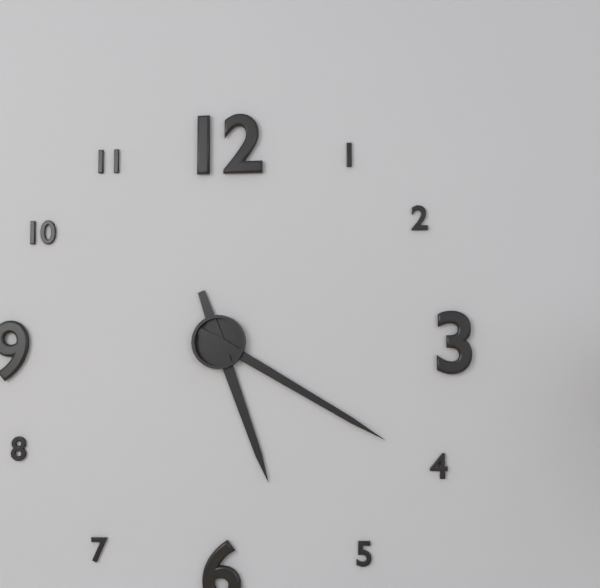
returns 5,20
